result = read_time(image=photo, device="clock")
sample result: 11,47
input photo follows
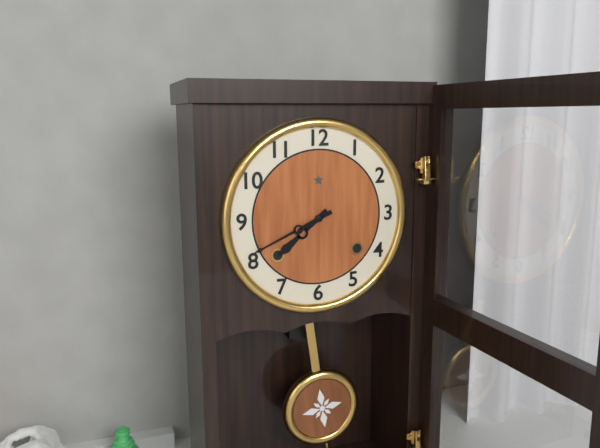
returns 7,41
